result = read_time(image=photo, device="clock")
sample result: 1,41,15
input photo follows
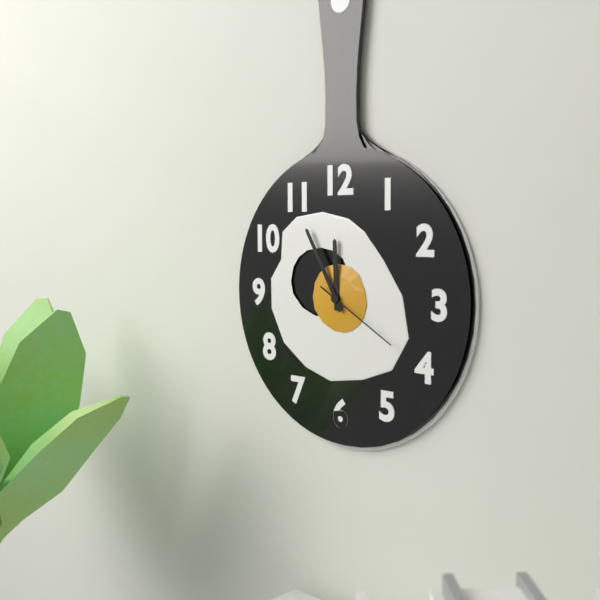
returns 11,55,20
